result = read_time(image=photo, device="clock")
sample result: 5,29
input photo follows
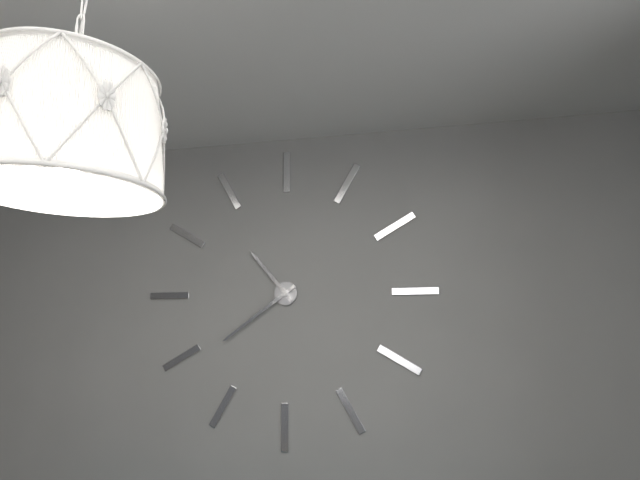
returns 10,39
